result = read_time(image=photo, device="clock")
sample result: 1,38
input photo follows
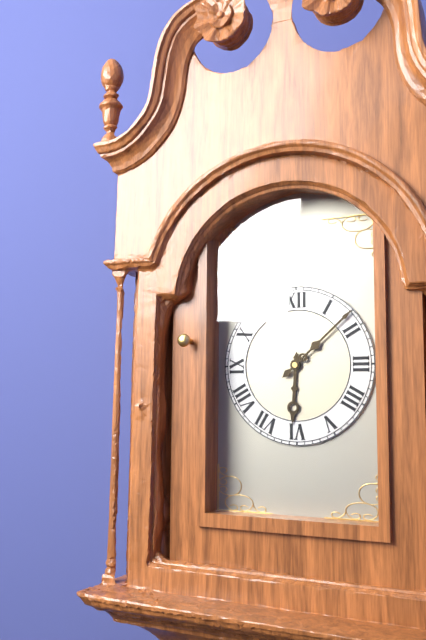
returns 6,08
